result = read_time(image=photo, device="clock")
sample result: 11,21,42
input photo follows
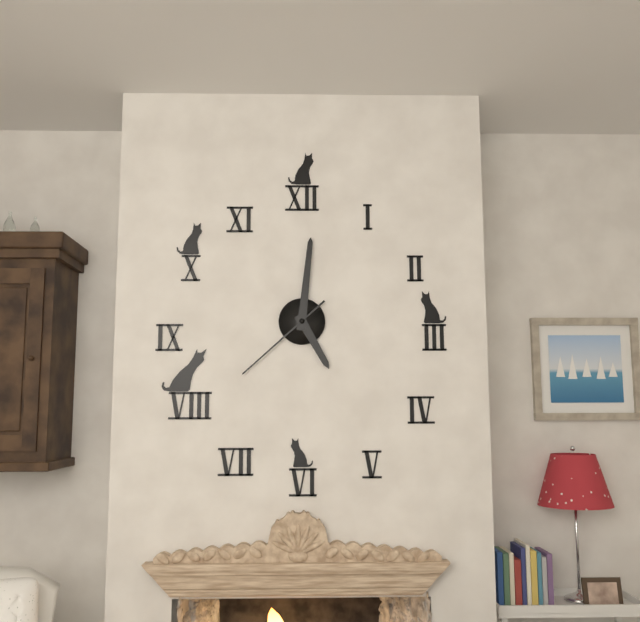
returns 5,01,38
